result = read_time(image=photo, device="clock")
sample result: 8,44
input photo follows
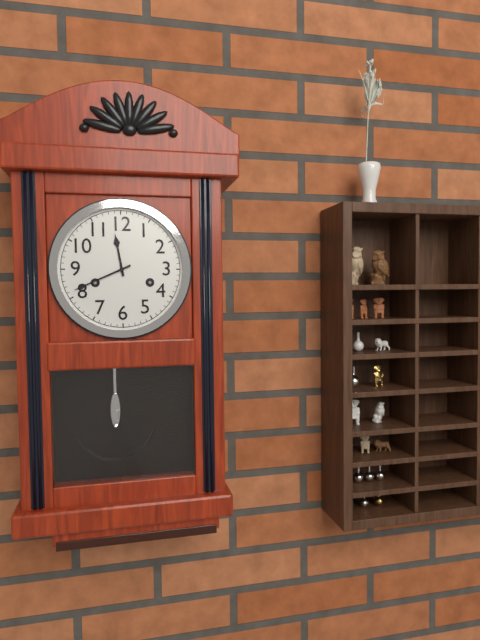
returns 11,41
